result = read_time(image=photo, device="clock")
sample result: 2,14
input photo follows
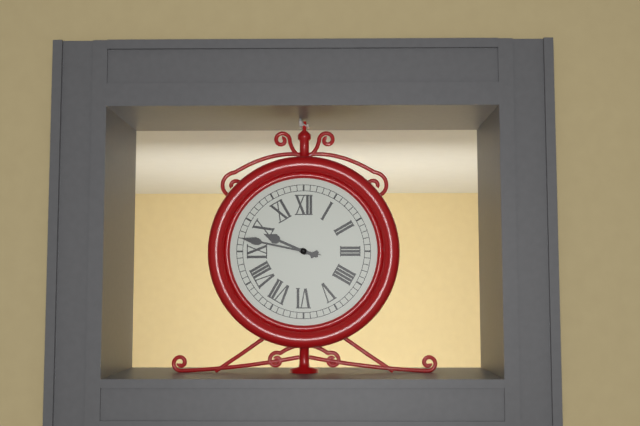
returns 9,47
